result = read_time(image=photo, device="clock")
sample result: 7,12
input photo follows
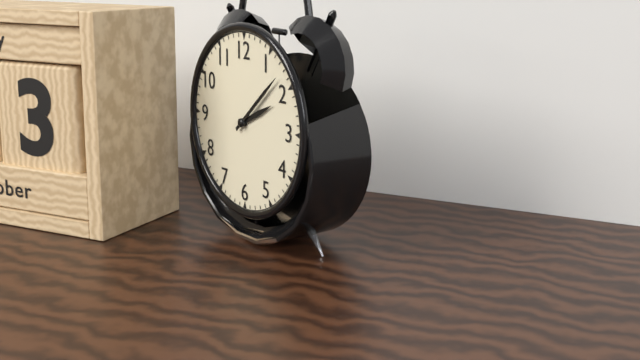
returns 2,08
